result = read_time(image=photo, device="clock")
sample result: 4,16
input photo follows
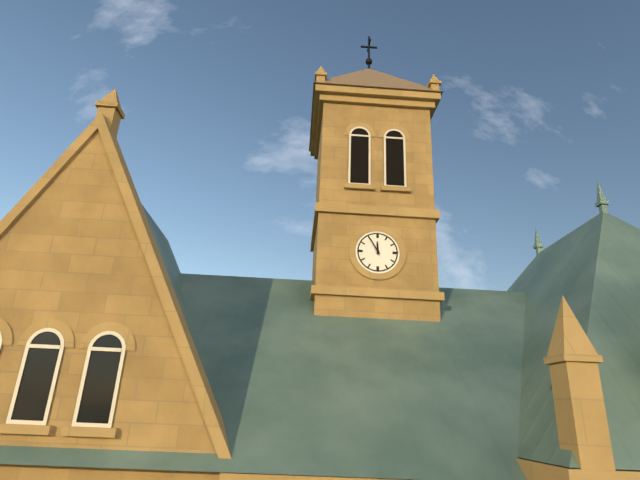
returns 11,55
